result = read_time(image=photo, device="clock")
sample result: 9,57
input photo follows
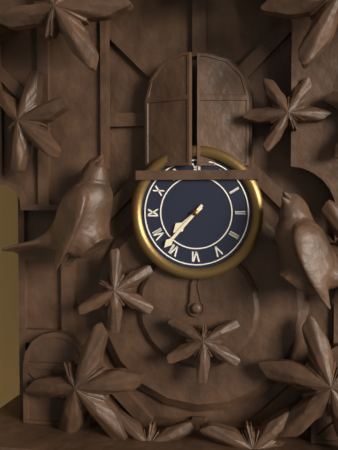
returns 7,37
